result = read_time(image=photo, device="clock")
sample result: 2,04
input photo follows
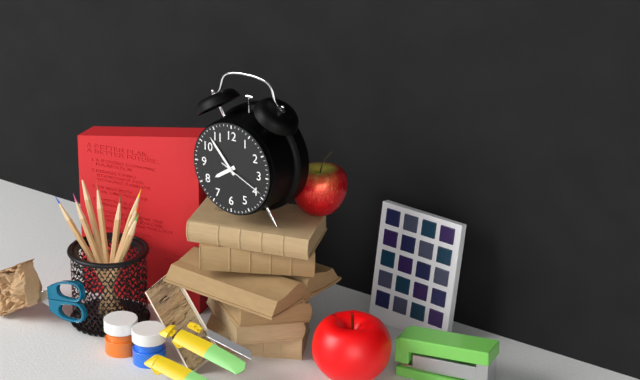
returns 7,53
